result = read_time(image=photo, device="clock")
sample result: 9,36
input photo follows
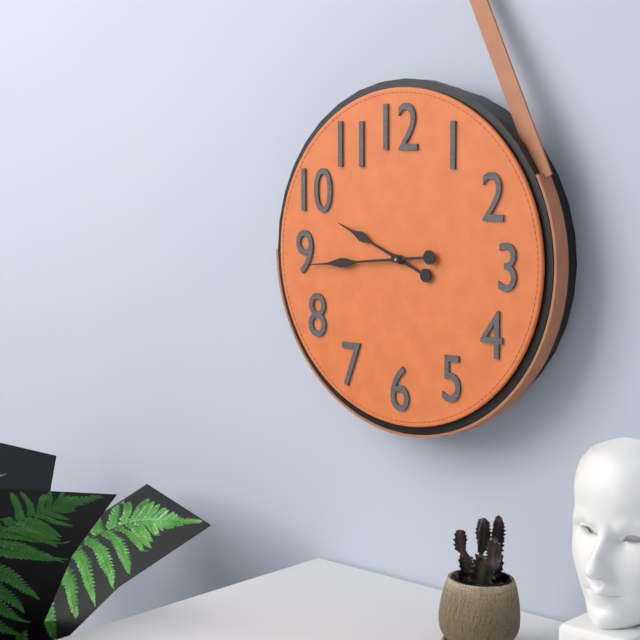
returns 9,44
